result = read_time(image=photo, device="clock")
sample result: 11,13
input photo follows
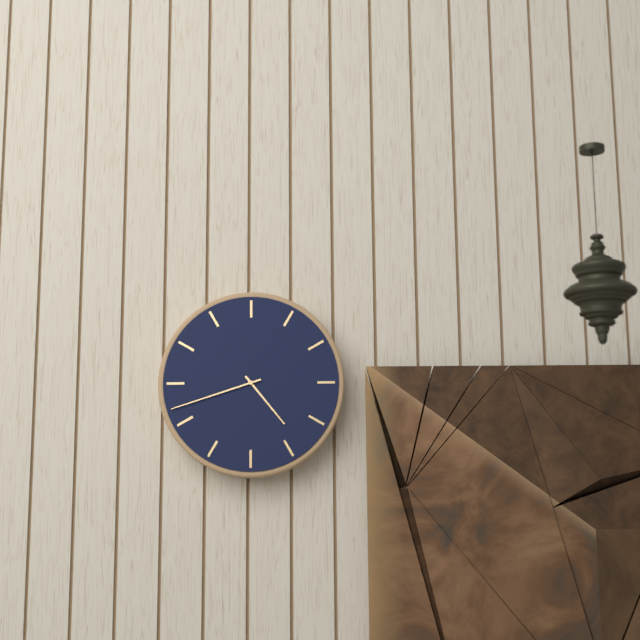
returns 4,42
